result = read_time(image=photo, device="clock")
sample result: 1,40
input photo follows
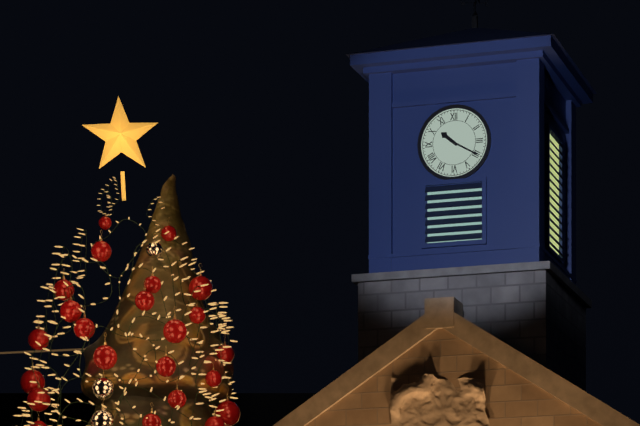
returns 10,20
